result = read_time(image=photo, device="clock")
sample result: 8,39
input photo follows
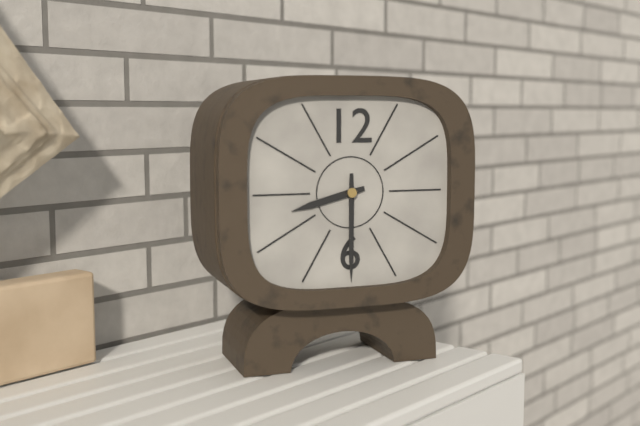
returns 8,30
